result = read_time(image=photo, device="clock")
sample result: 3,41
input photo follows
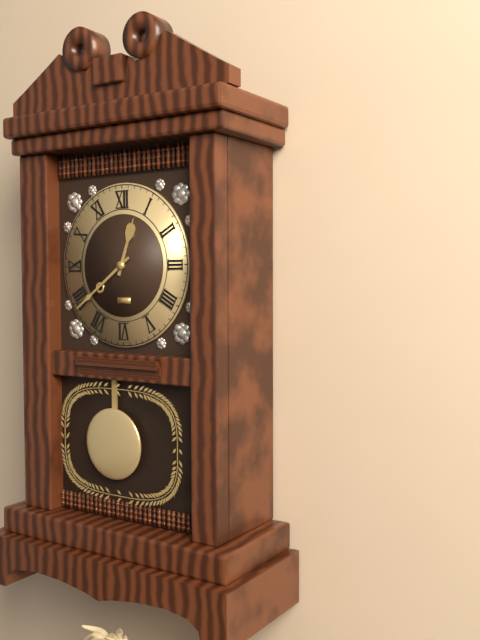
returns 12,39
